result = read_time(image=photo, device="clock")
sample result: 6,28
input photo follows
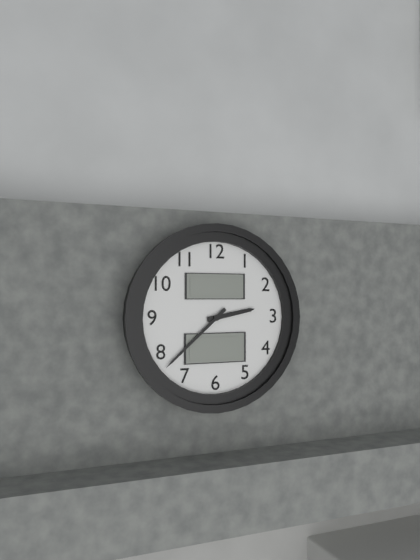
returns 2,38
